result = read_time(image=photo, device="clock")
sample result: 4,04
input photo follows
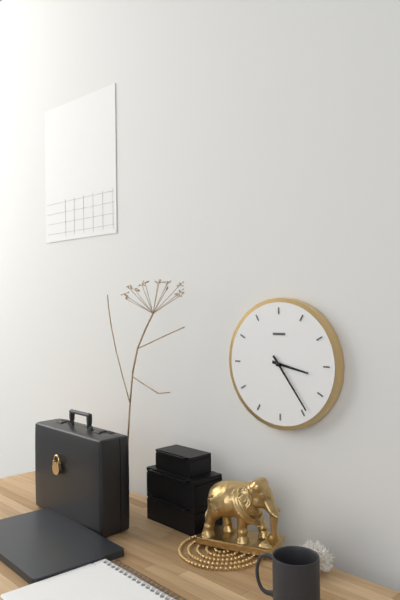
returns 3,24
